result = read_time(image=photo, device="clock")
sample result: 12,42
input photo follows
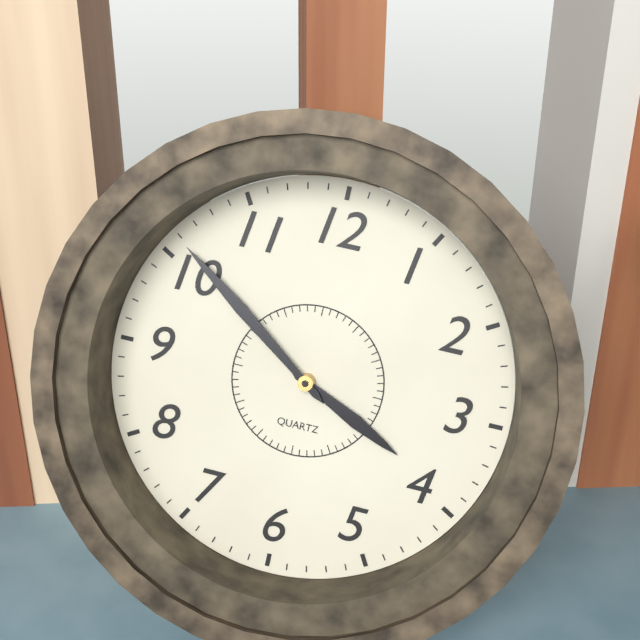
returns 3,51
